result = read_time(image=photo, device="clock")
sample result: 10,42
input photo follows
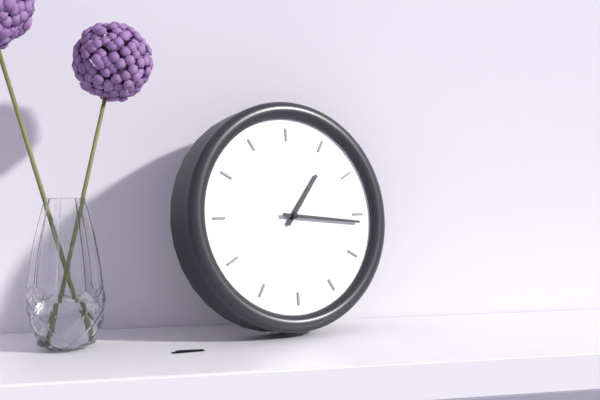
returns 1,16
